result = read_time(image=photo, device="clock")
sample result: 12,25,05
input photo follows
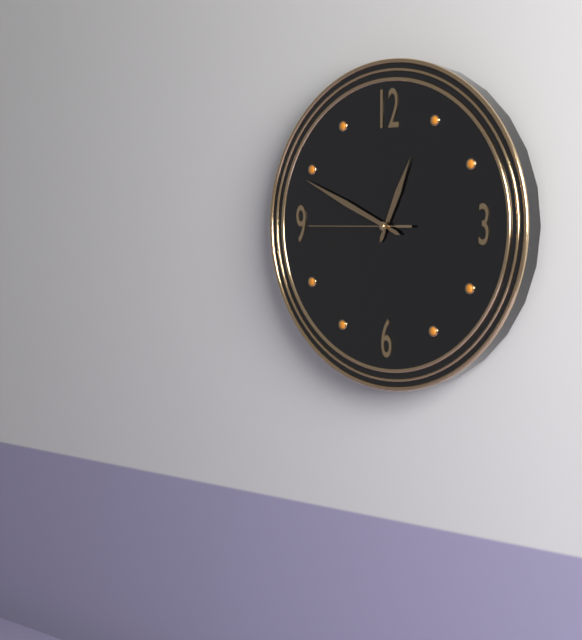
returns 12,49,45
